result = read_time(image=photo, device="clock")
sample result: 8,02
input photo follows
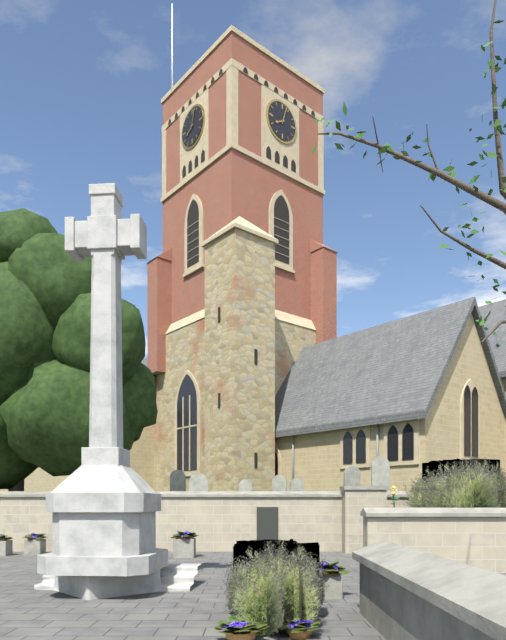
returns 8,03
